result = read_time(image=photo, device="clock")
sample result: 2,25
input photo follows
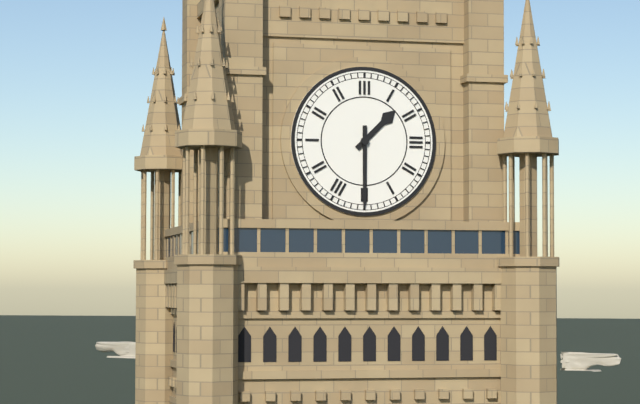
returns 1,30
